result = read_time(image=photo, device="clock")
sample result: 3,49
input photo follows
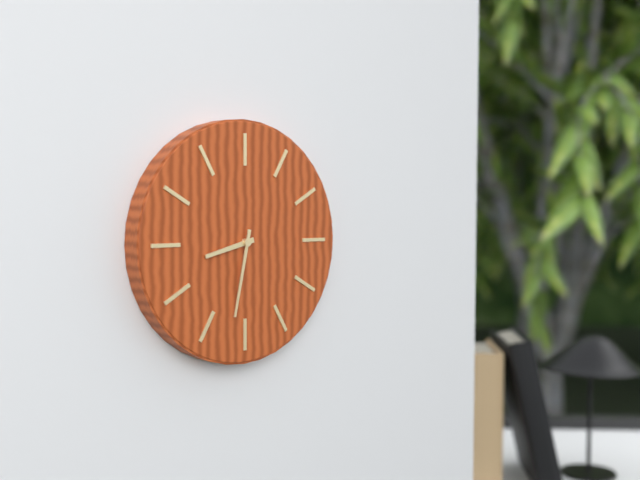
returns 8,32
